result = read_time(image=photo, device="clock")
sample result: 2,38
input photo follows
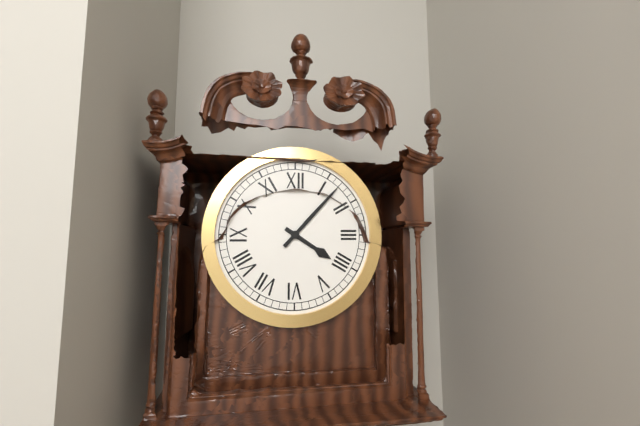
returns 4,07
